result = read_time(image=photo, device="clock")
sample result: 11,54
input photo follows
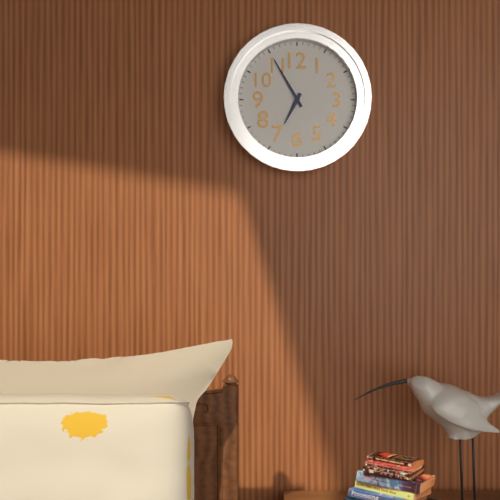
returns 6,55
